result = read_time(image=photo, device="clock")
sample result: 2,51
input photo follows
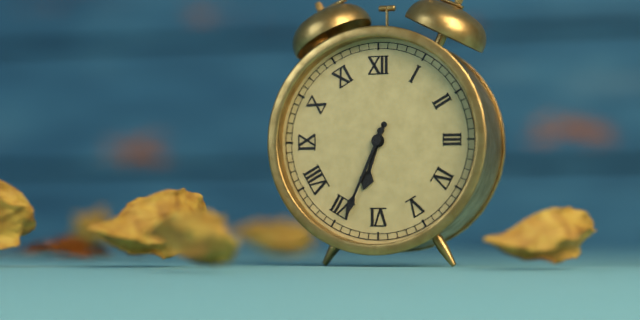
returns 6,34
